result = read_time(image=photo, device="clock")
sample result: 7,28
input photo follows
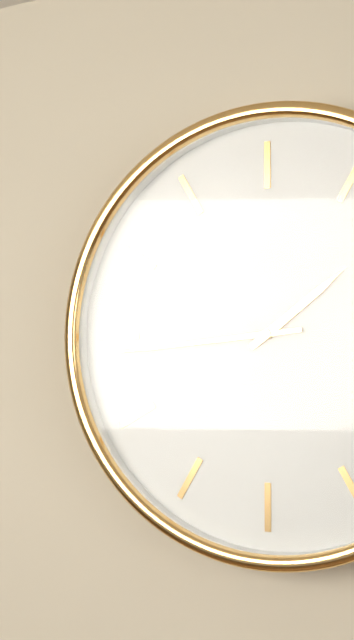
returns 1,44
